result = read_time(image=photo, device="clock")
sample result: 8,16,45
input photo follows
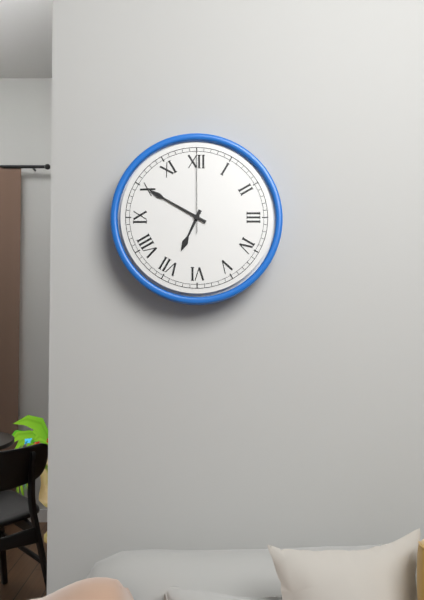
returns 6,50,00
